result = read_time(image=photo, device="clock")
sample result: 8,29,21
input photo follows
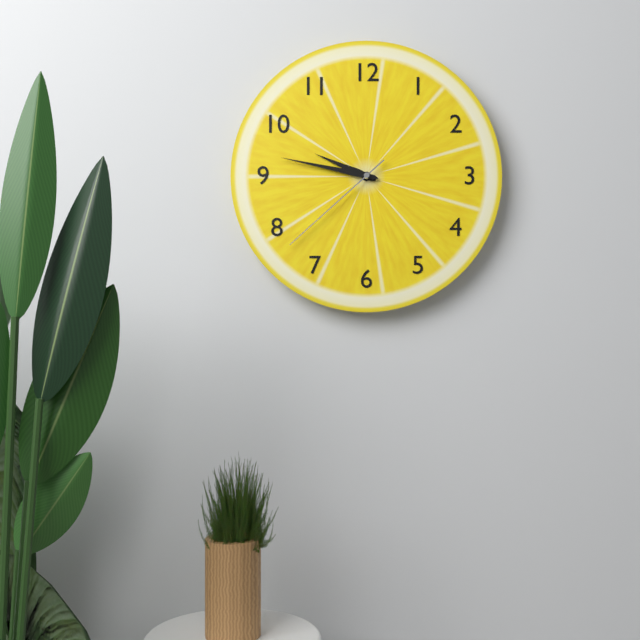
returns 9,47,38
